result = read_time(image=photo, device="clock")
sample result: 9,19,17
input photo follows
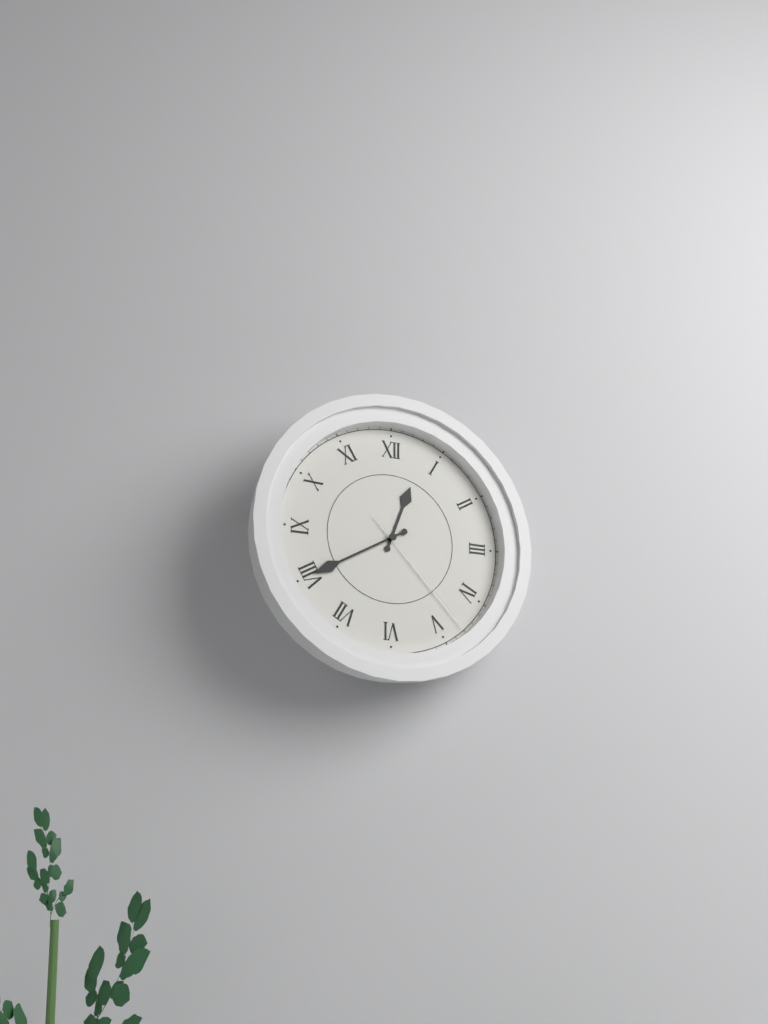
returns 12,40,23
